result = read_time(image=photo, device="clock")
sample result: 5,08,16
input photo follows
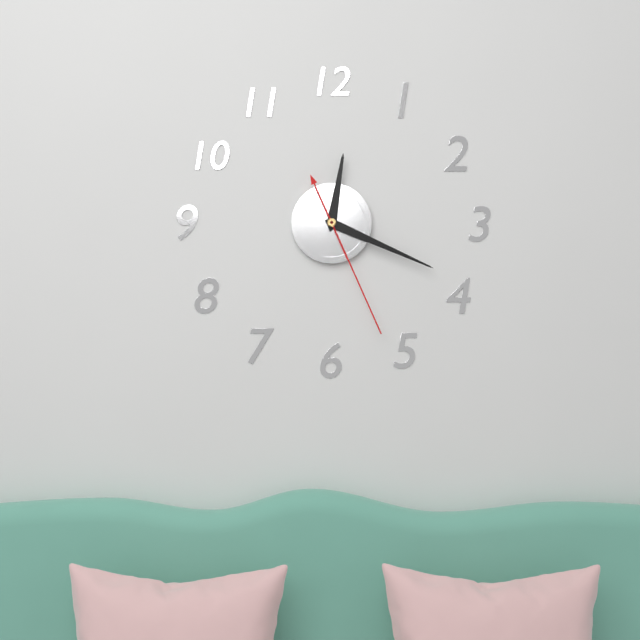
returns 12,19,26
